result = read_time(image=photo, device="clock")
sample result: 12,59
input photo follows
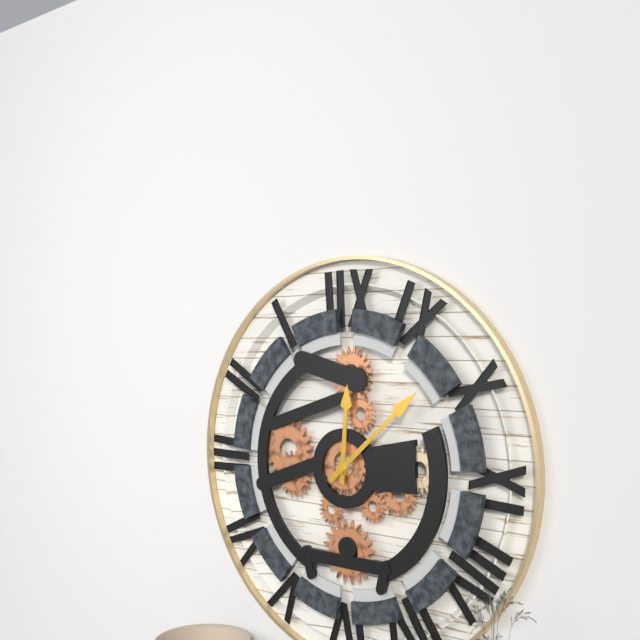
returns 12,08
